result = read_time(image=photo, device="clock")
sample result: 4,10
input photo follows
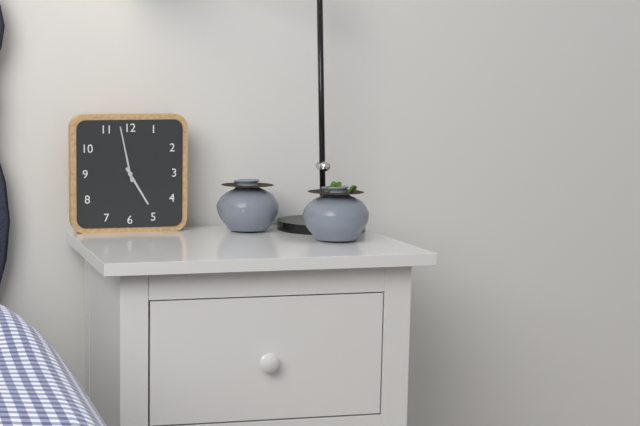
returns 4,58
